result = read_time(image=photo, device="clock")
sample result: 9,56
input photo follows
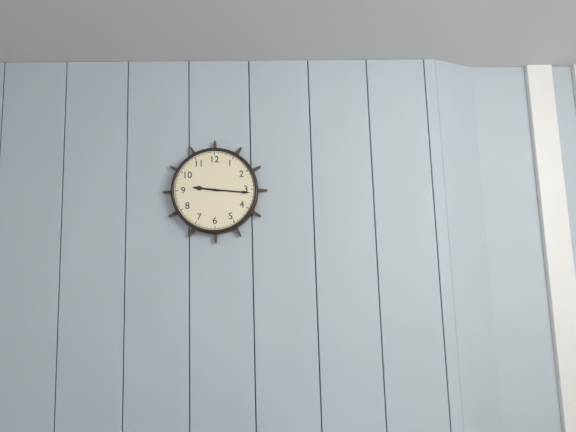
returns 9,16
